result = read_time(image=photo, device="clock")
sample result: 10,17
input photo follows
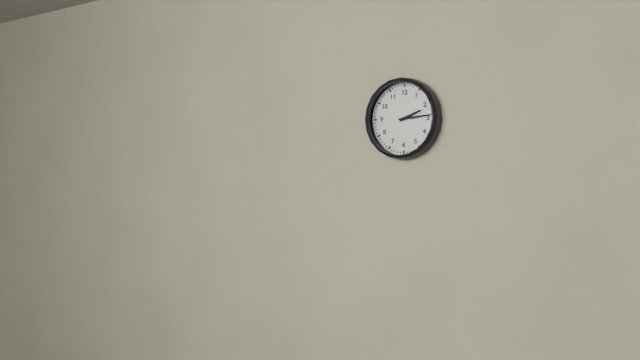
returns 2,14
